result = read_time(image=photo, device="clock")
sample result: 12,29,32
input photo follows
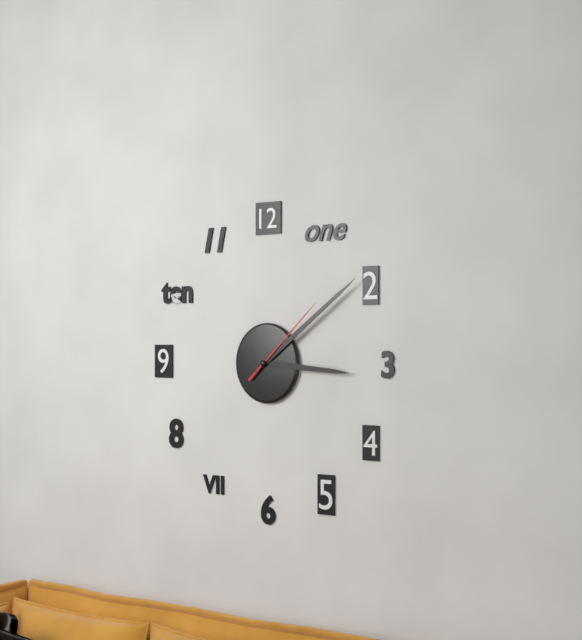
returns 3,09,08
